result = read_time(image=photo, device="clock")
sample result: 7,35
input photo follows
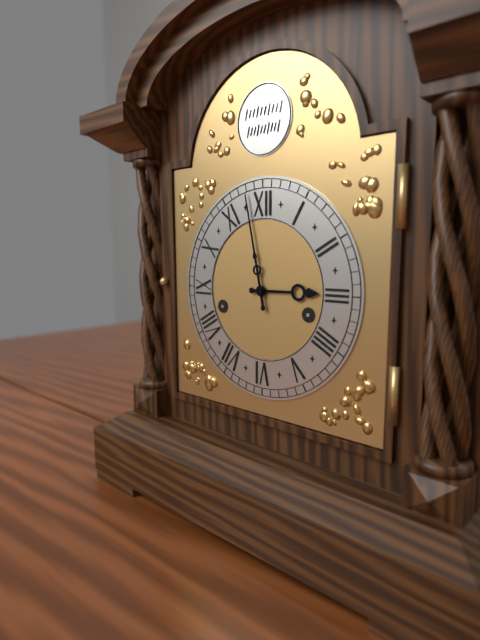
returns 2,58
